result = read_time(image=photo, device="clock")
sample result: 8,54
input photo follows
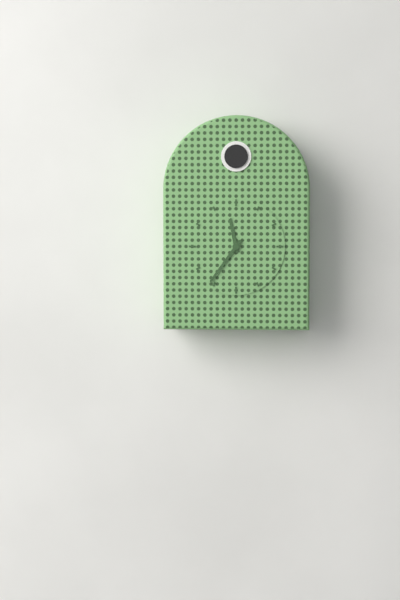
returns 11,36
